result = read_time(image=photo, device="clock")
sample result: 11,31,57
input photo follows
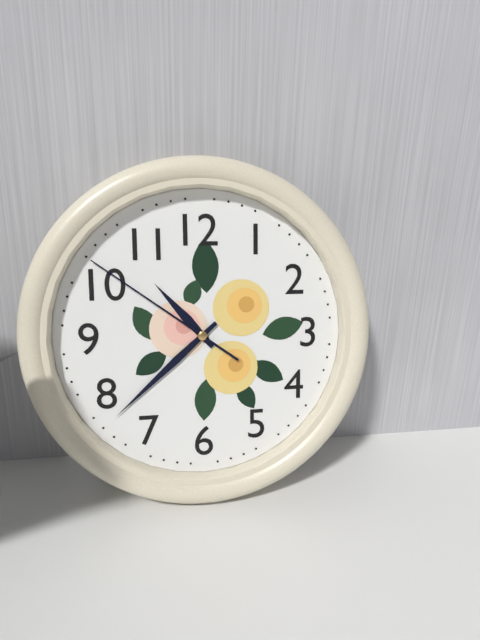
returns 10,38,51
